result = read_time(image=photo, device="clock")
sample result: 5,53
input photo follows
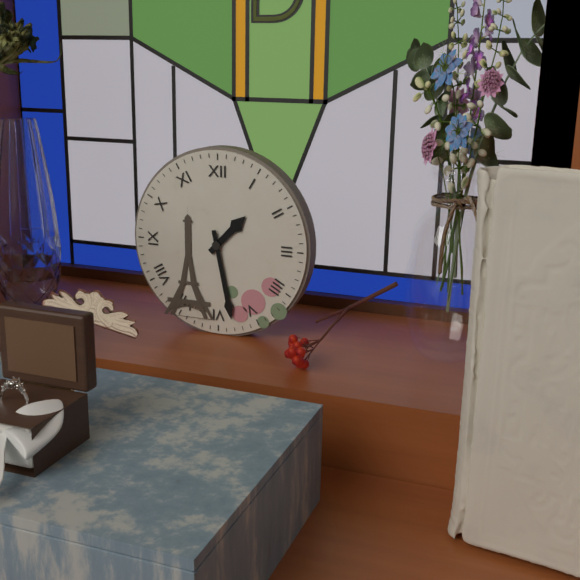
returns 1,28
